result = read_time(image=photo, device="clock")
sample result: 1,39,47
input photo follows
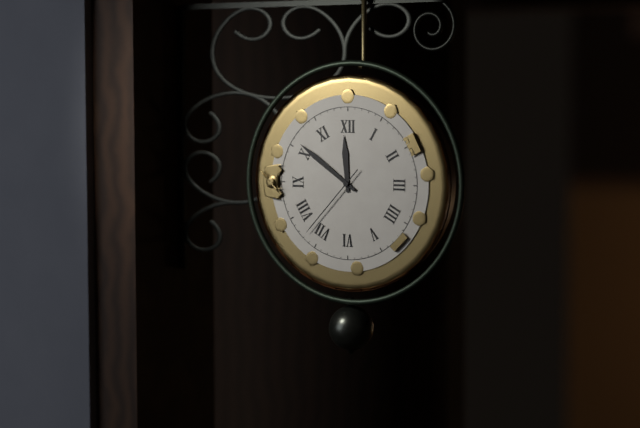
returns 11,51,37
